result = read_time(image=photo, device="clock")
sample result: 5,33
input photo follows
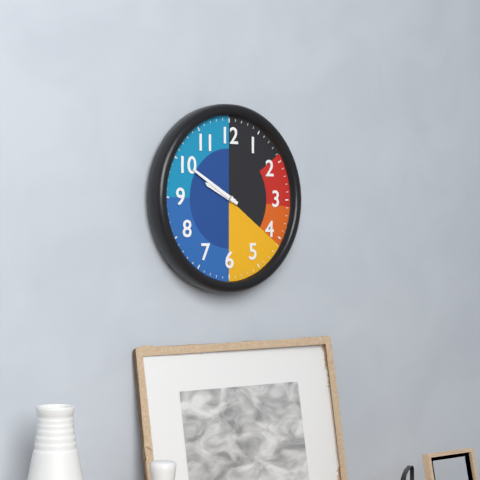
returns 9,50
